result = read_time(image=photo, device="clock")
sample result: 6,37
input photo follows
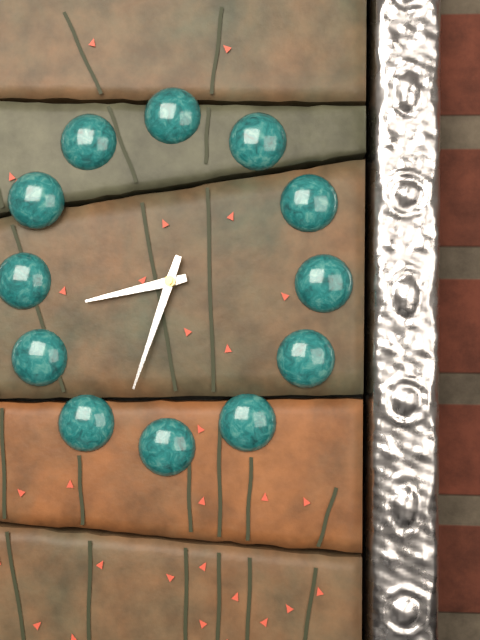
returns 8,33
